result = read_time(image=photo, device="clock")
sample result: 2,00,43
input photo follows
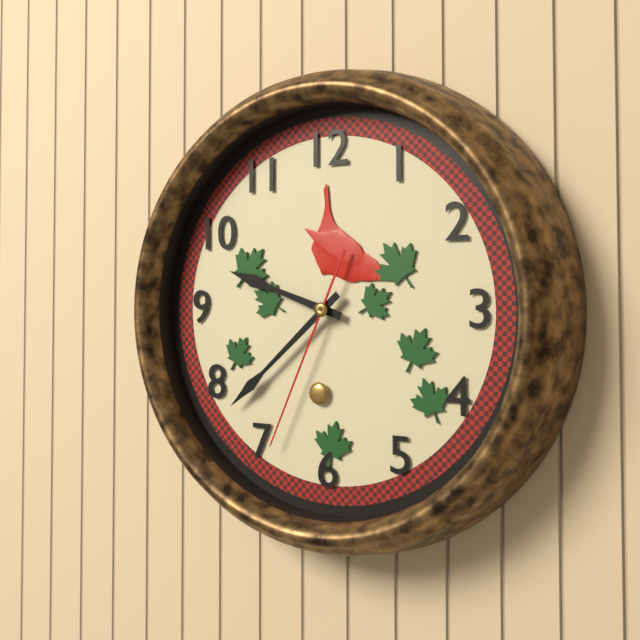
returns 9,38,34
